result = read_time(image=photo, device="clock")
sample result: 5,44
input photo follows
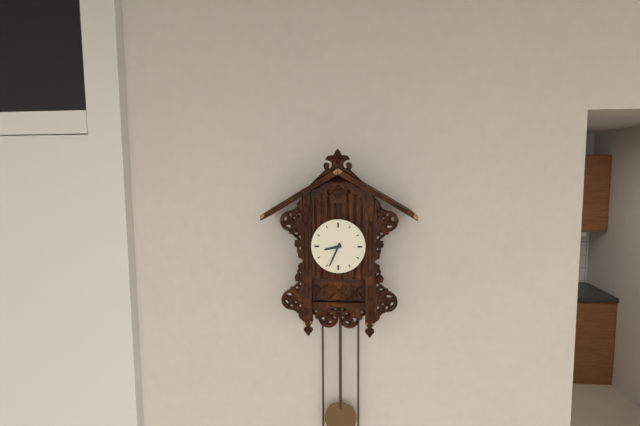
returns 8,34
